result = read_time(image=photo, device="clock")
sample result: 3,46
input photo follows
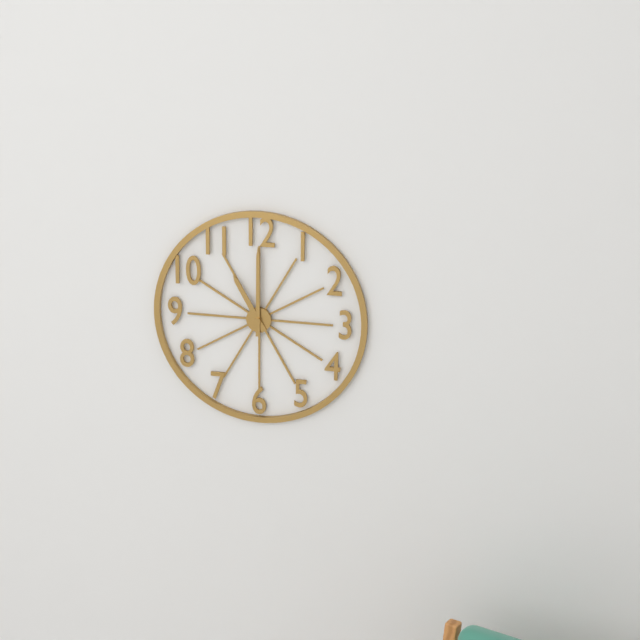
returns 11,00
